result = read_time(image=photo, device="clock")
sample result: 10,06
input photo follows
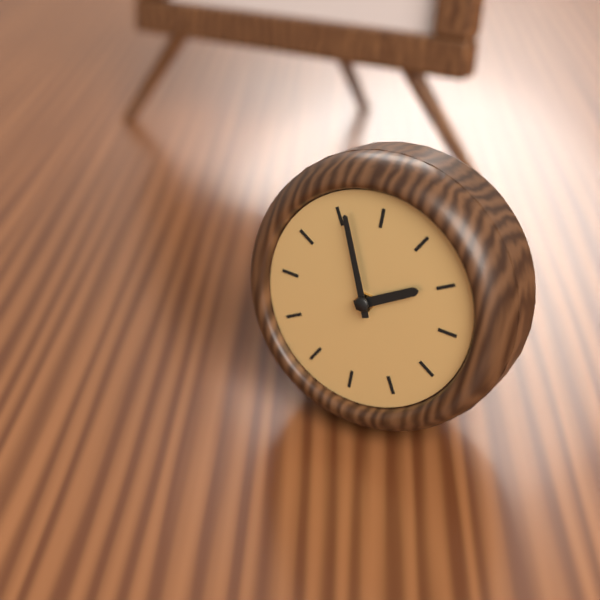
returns 1,56
